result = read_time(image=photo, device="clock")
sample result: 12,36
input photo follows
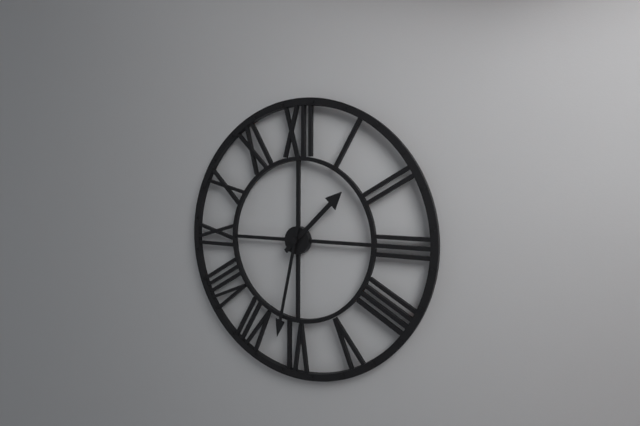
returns 1,32
